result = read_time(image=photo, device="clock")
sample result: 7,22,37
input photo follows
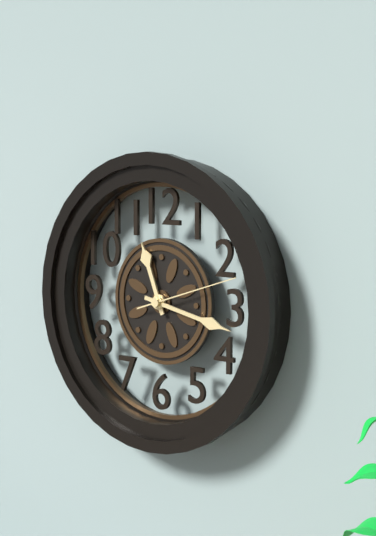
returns 11,17,12
